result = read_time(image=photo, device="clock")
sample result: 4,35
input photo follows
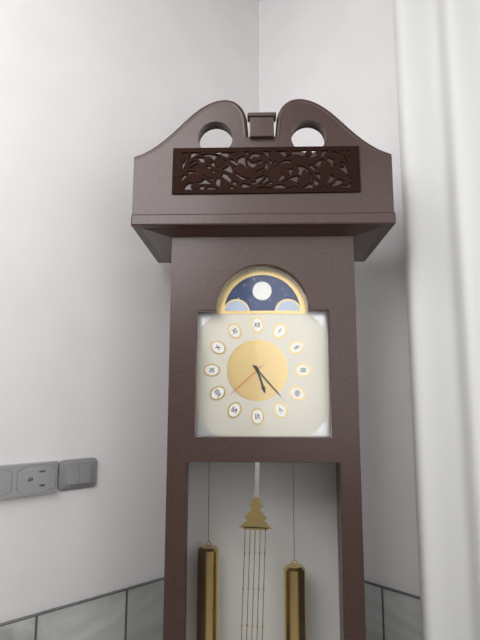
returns 5,23
